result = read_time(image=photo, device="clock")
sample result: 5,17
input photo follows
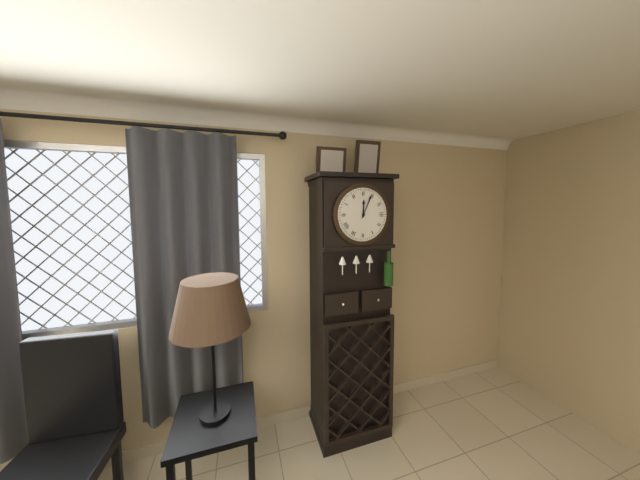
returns 12,04
